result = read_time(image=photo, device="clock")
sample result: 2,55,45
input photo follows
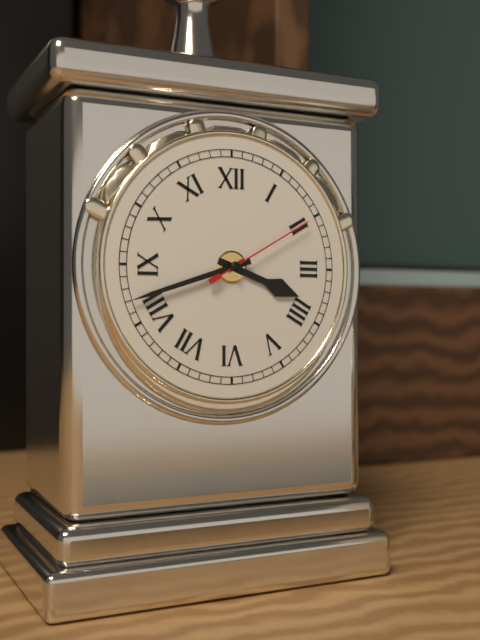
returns 3,42,10
